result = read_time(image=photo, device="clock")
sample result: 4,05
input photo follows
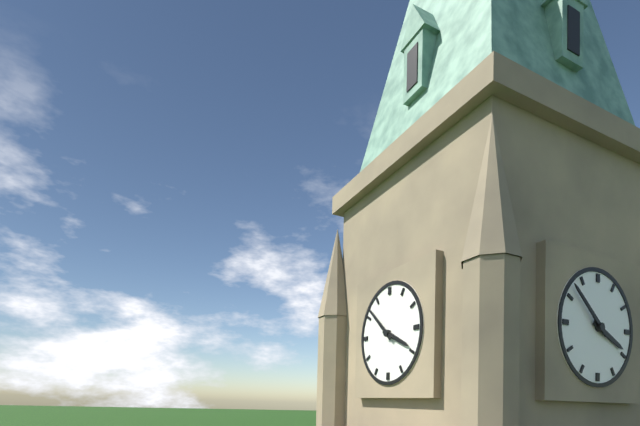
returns 3,52
